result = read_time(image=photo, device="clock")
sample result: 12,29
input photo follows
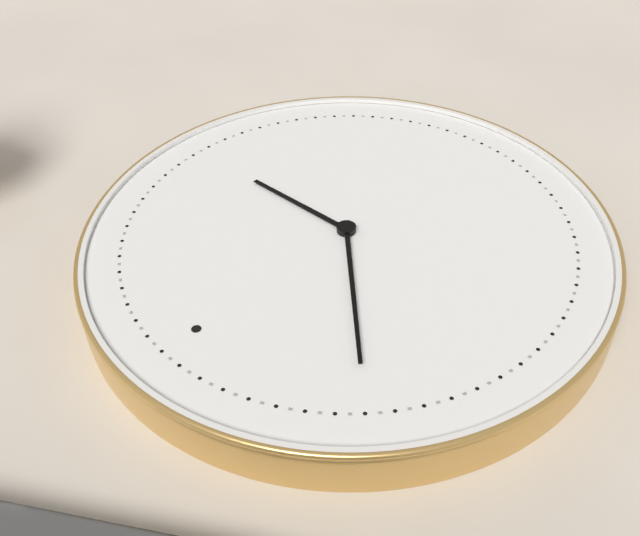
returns 2,52
